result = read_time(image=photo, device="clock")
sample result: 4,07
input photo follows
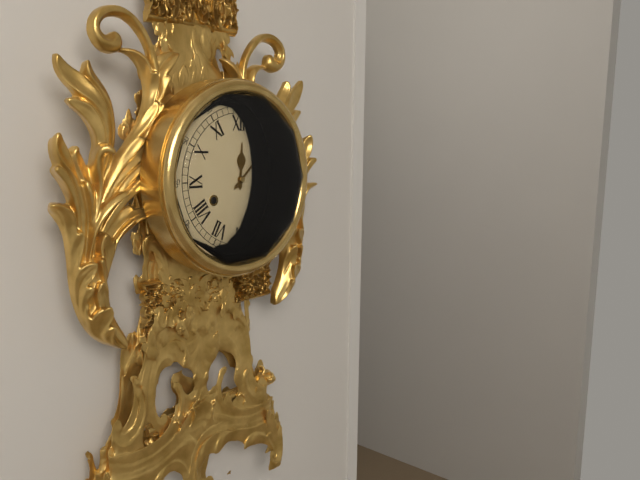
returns 12,08
